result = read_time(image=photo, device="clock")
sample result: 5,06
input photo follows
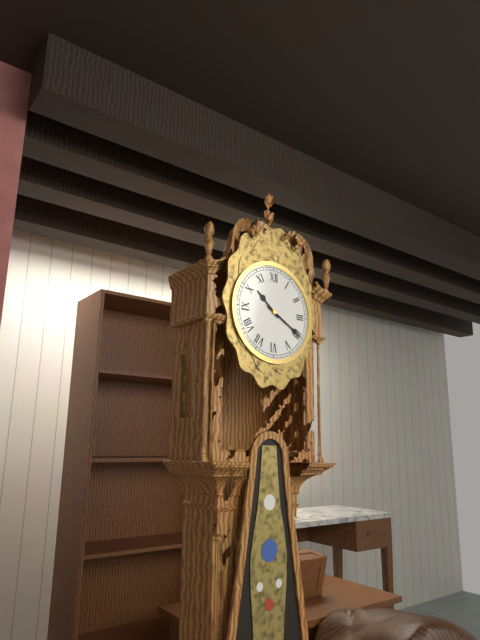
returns 10,20
